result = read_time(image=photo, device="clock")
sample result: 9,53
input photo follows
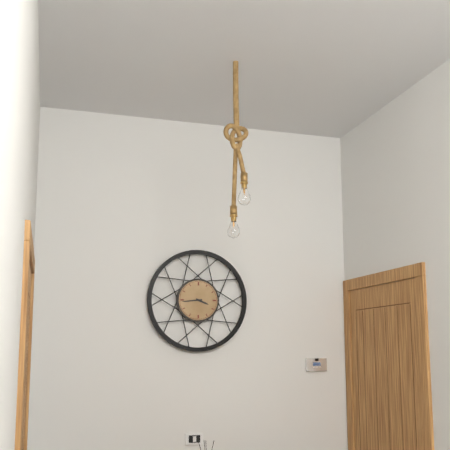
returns 3,44
